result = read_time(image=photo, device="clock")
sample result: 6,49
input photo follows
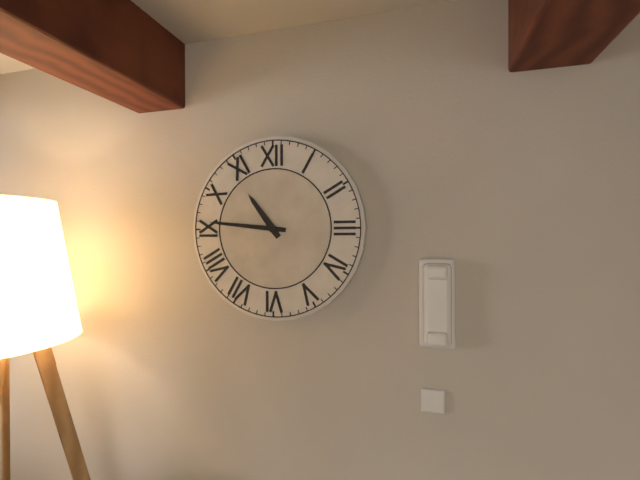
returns 10,46
